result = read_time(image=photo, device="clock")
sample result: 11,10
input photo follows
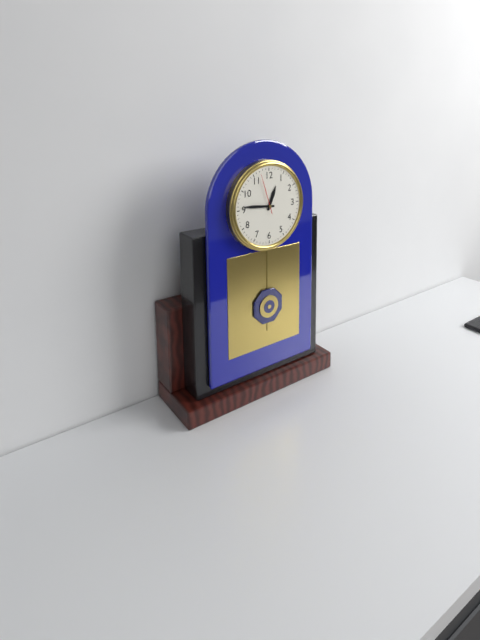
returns 12,46
